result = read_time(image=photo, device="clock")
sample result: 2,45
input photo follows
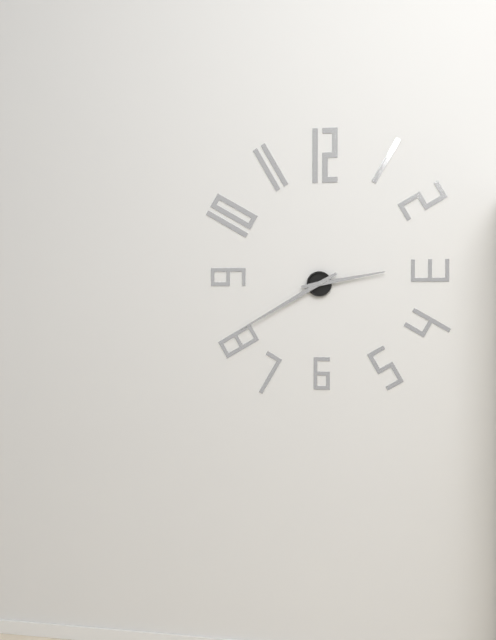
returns 2,40
